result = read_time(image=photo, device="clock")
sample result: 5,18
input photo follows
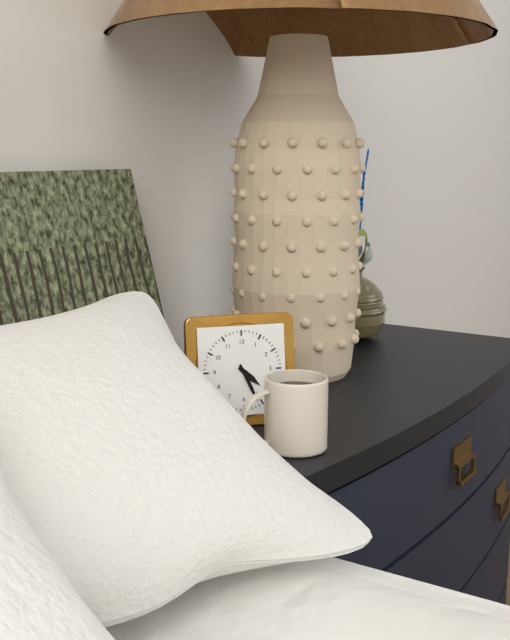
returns 4,26
